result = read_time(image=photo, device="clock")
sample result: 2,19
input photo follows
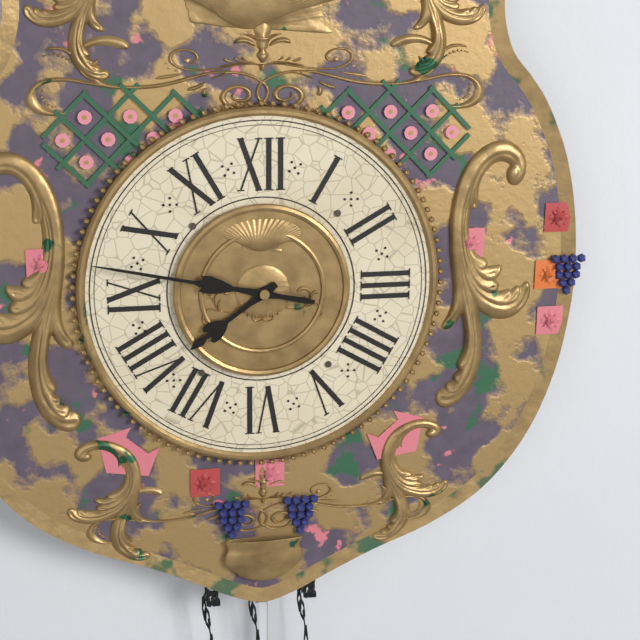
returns 7,47
